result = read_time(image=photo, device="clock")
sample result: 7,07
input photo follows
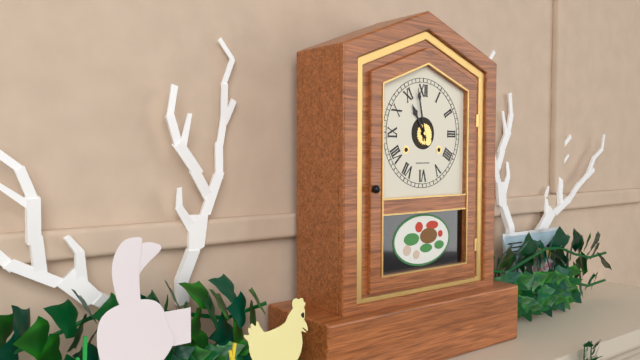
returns 10,58
